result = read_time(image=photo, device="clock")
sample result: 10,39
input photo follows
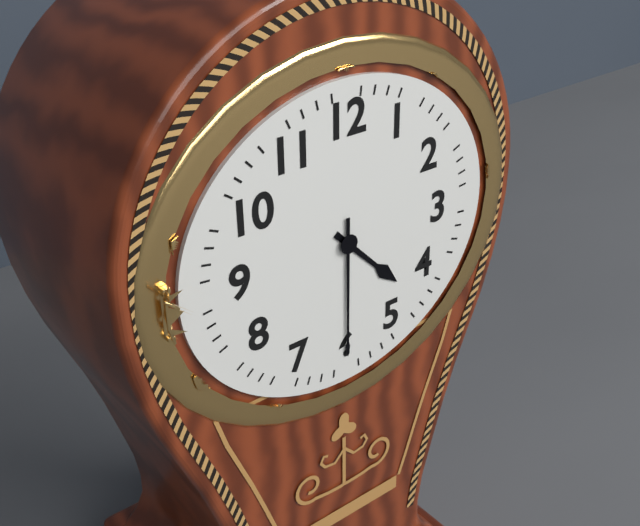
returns 4,30
